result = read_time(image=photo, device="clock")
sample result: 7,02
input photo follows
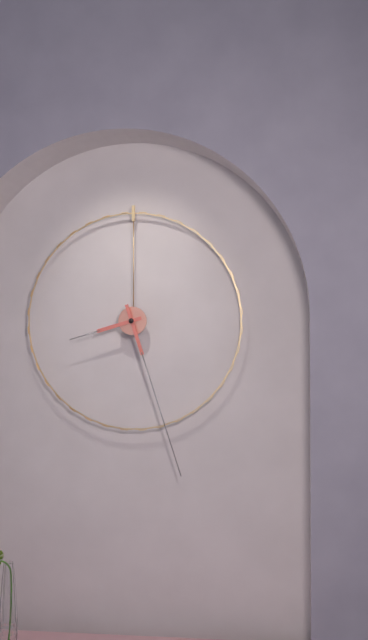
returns 8,27
